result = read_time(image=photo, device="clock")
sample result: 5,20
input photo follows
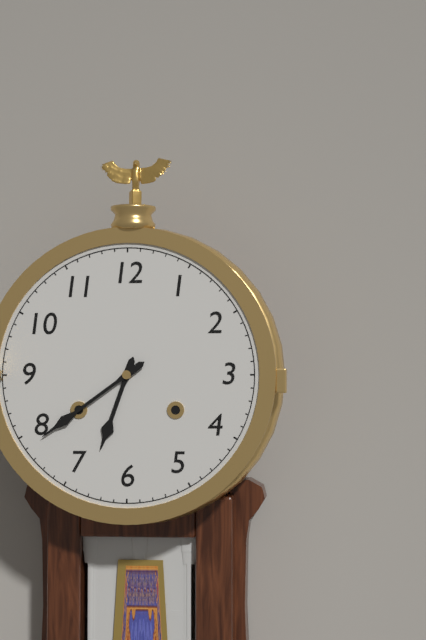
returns 6,39
